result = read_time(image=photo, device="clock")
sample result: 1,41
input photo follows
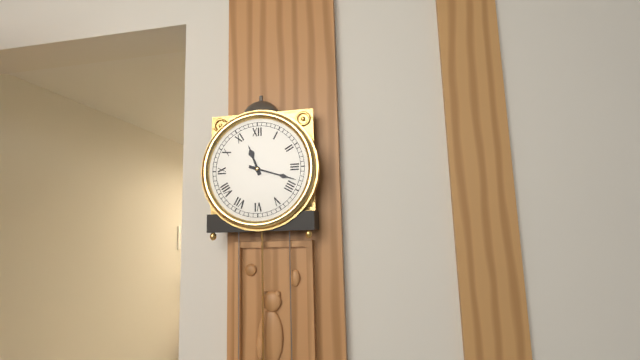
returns 11,18
